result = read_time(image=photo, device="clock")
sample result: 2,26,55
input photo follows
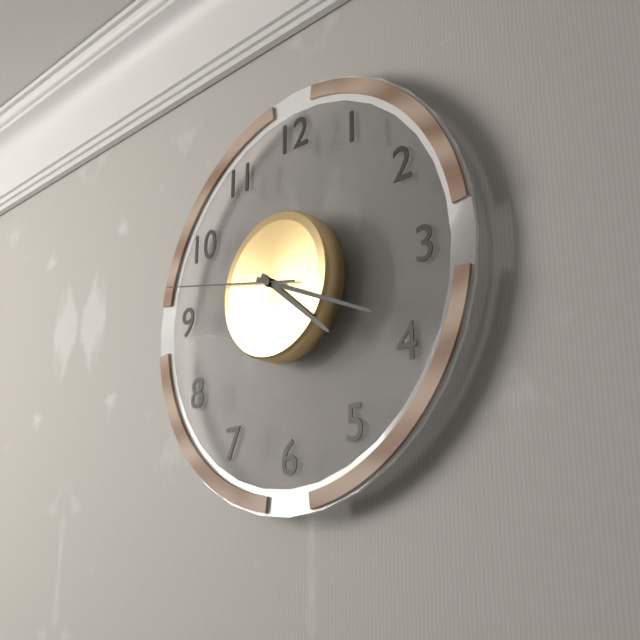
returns 4,19,47
